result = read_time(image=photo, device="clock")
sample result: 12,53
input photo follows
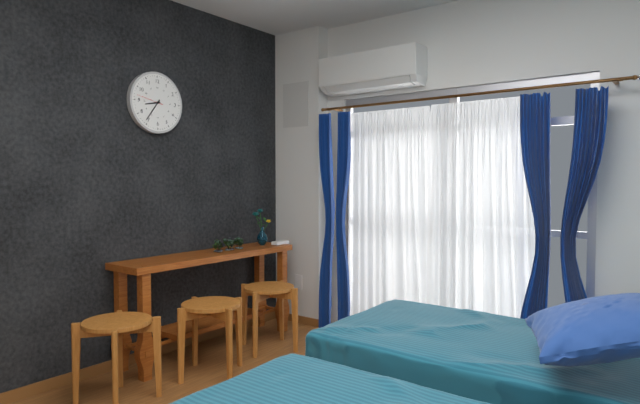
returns 8,36
